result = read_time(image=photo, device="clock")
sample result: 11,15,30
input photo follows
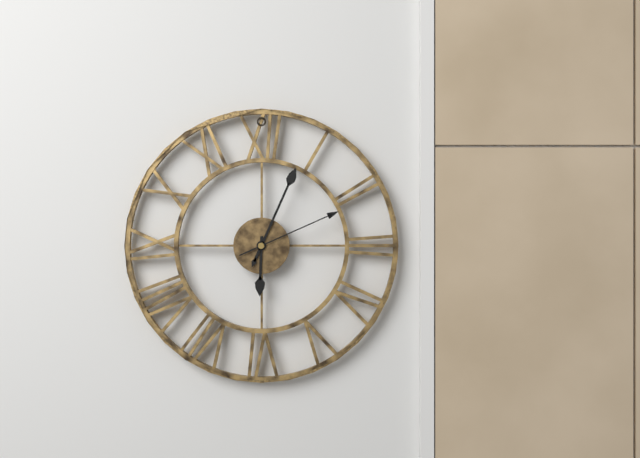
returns 6,04,11
